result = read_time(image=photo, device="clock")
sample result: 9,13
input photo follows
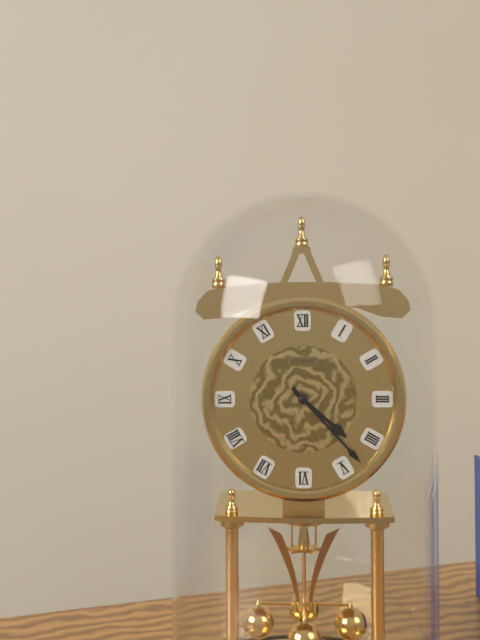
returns 4,23
